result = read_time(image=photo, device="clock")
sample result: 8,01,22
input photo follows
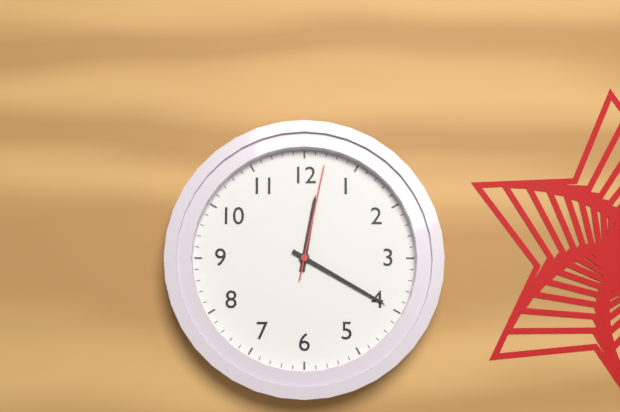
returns 12,20,02
